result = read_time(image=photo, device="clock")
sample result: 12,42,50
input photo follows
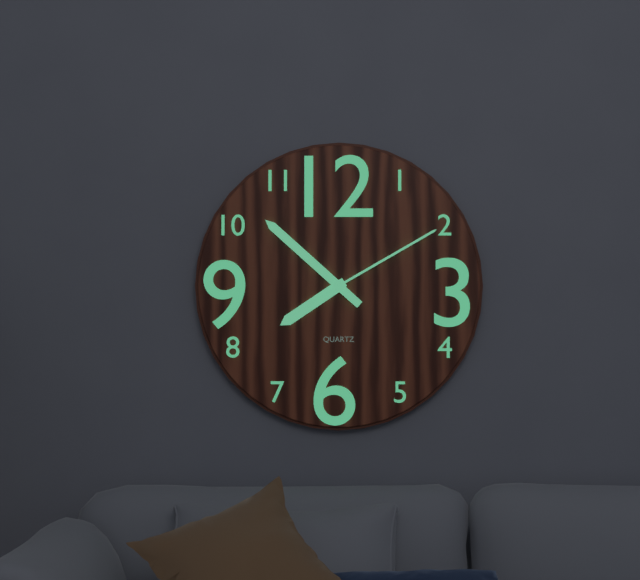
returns 7,52,10
